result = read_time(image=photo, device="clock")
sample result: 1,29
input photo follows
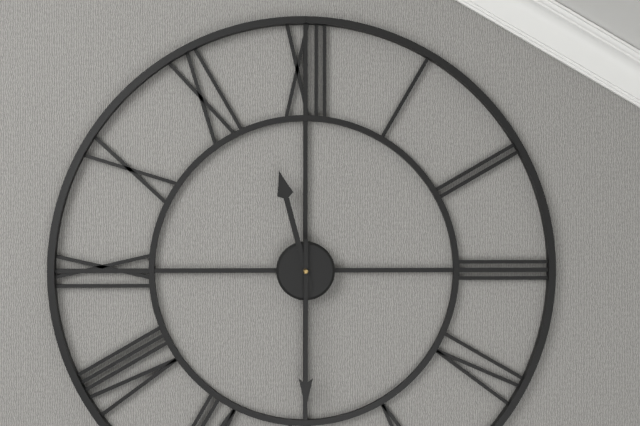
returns 11,30
